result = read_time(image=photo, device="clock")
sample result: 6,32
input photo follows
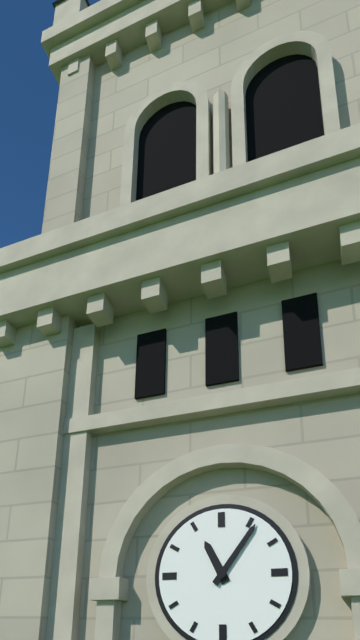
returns 11,06
